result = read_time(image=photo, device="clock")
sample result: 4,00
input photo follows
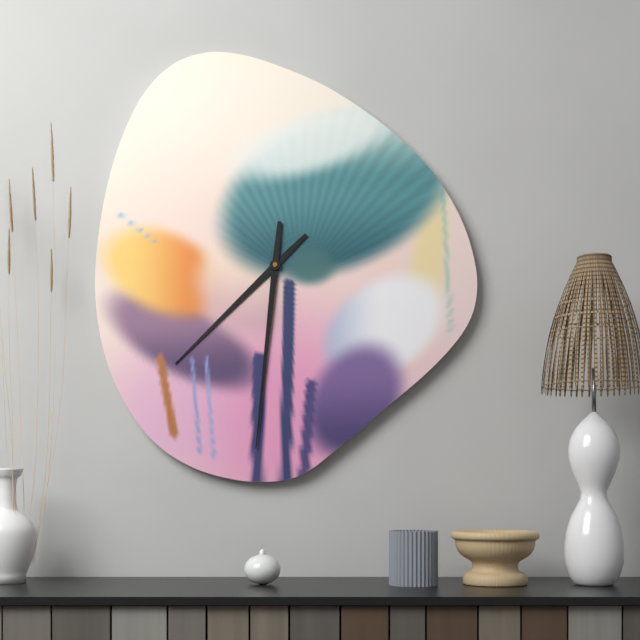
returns 7,31
